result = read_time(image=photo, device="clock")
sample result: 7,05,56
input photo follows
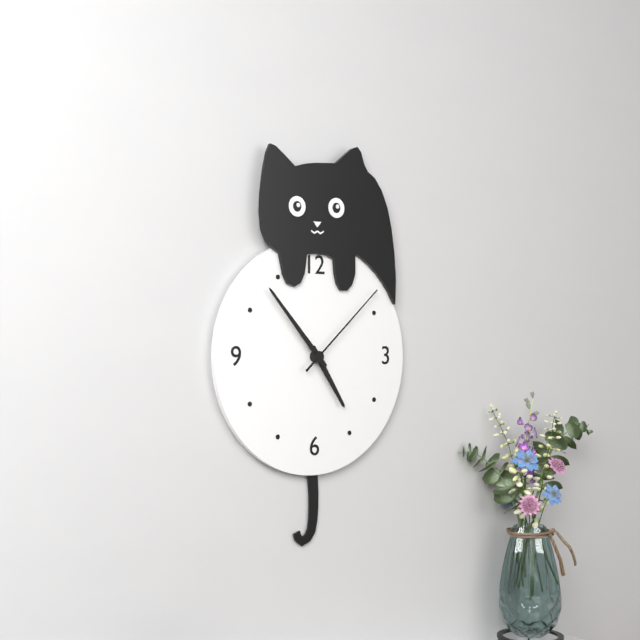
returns 4,53,08
